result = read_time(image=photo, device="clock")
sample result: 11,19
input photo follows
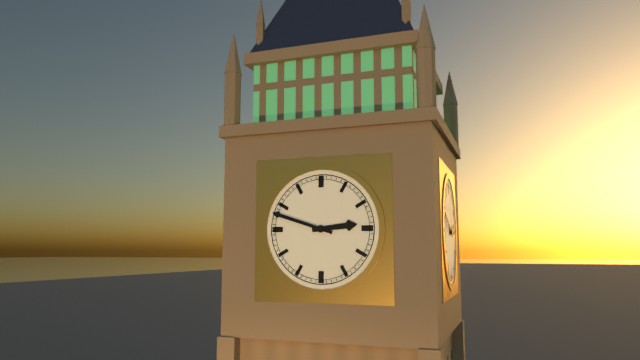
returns 2,48
